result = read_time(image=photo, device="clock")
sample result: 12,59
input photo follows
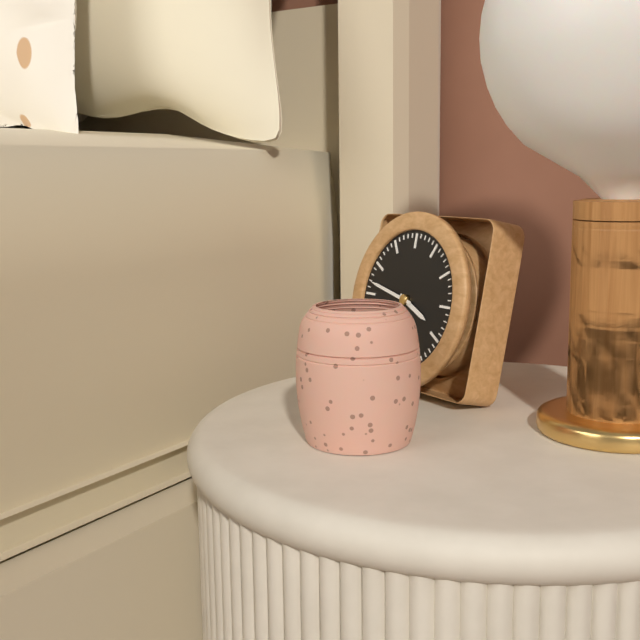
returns 3,47
